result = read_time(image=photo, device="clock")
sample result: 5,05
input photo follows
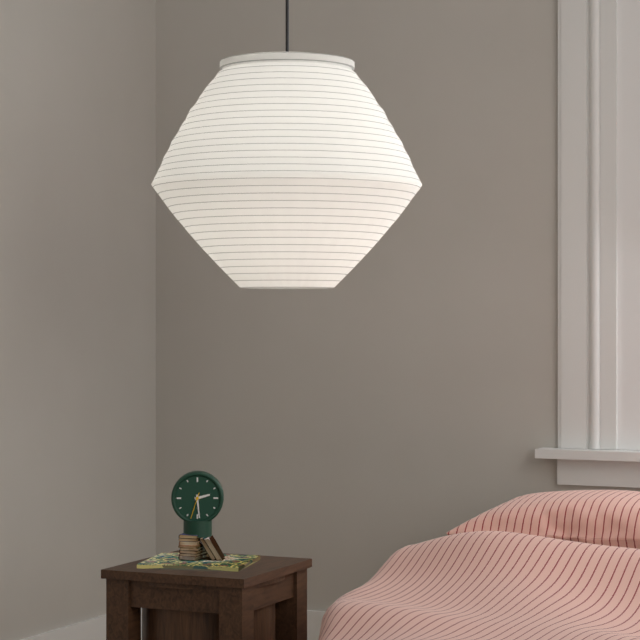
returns 2,29
